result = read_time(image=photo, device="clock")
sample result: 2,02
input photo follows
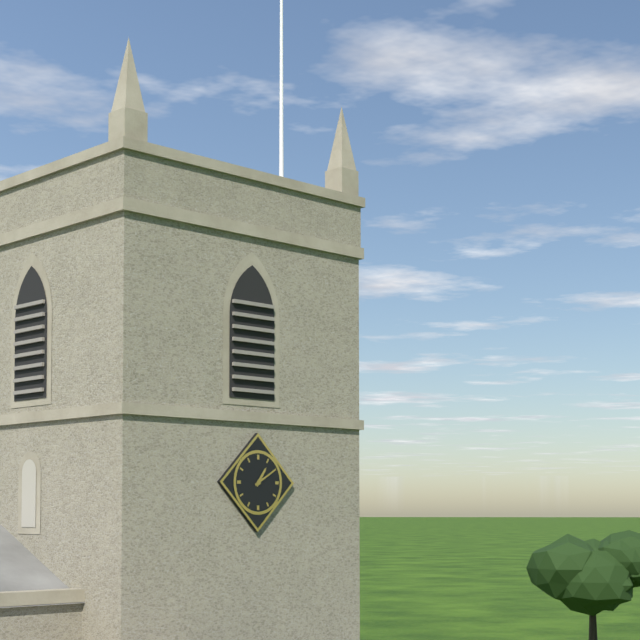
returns 1,10
